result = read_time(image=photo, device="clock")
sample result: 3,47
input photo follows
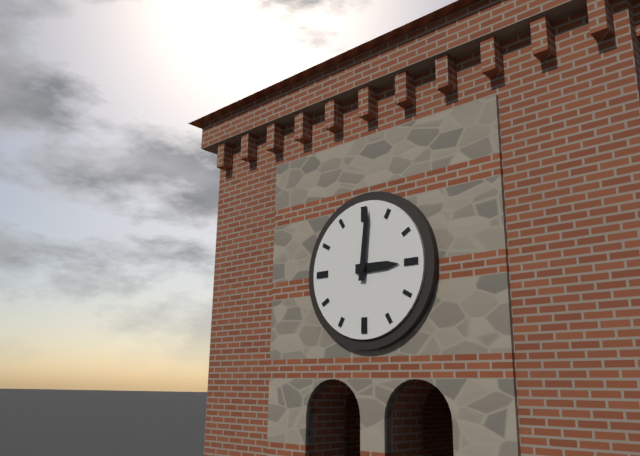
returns 3,01
